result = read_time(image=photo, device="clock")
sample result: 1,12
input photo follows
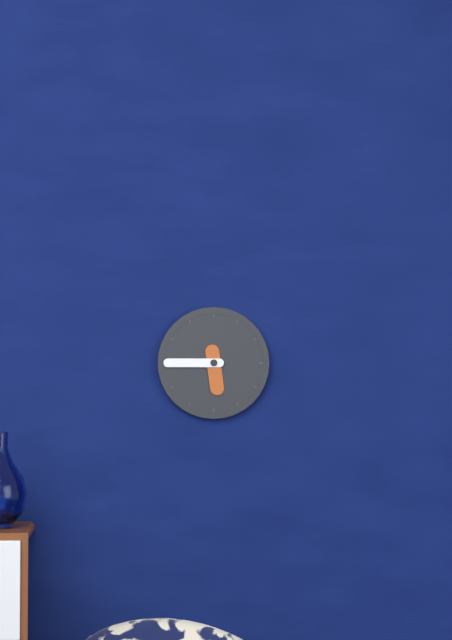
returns 5,45
